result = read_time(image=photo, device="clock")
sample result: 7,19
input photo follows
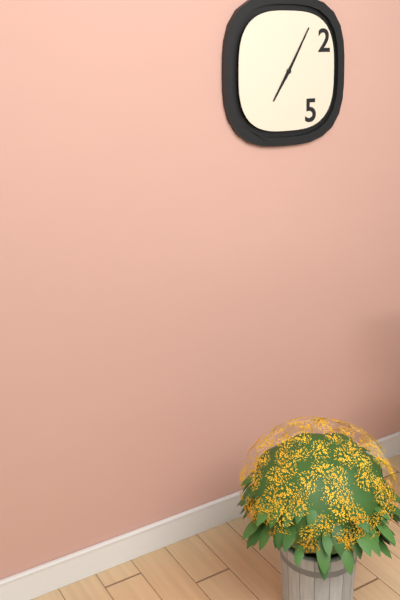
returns 7,05
